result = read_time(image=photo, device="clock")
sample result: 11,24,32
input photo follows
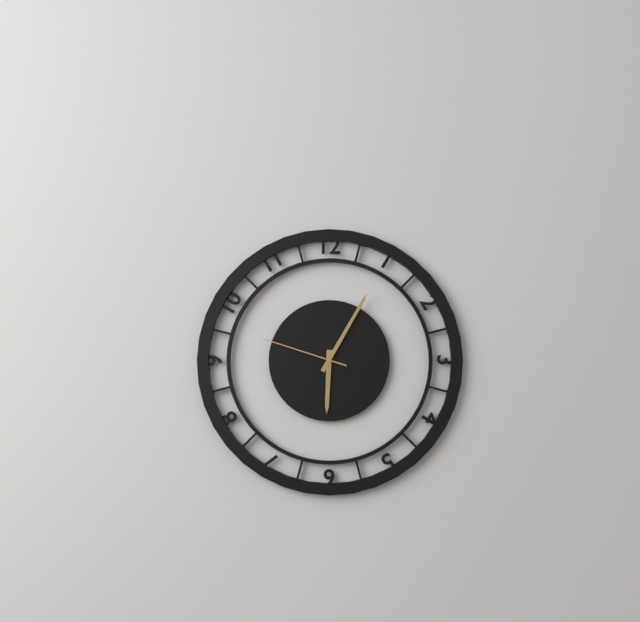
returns 6,05,48
